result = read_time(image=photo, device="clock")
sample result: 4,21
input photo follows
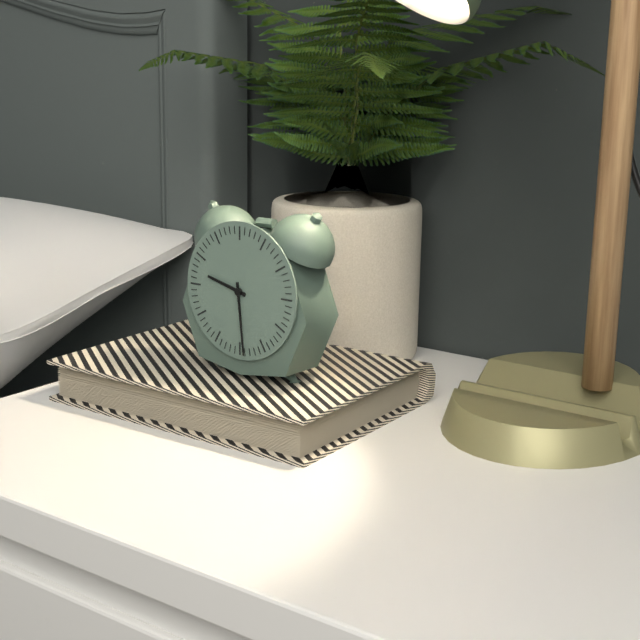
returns 9,29
